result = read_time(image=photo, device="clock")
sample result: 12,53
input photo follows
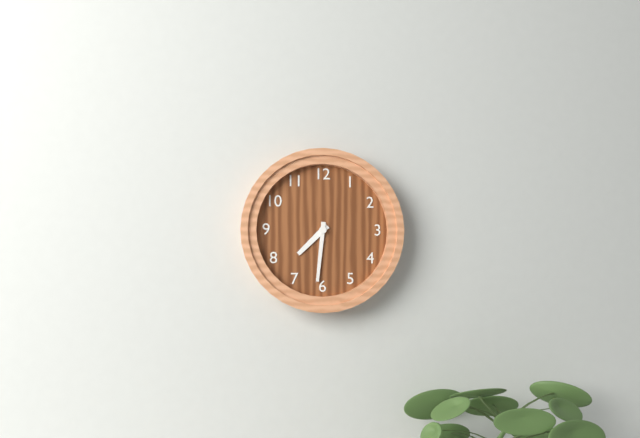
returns 7,31
